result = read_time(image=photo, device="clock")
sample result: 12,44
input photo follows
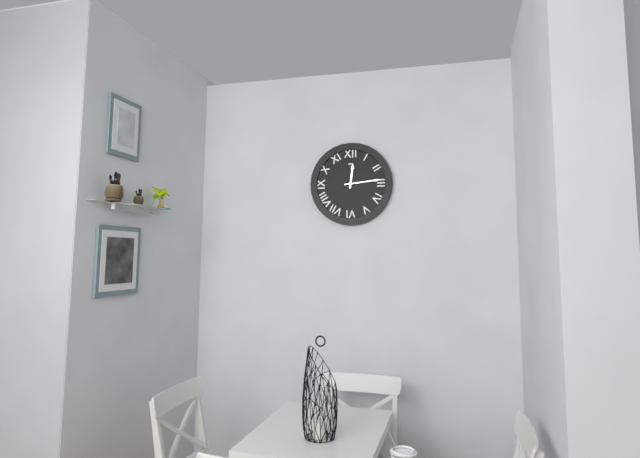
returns 12,14
